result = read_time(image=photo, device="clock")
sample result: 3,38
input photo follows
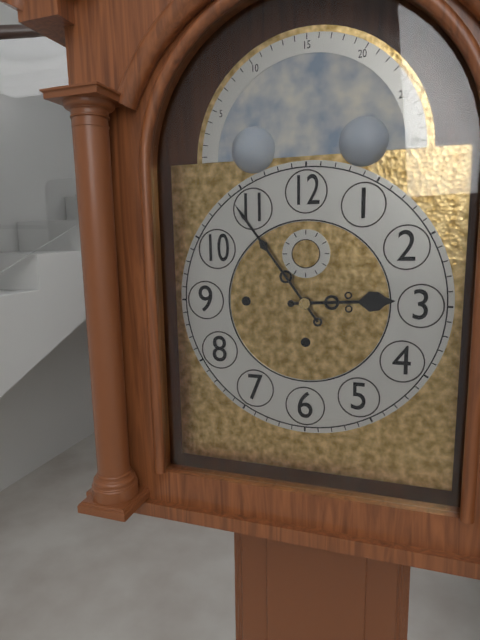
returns 2,54
